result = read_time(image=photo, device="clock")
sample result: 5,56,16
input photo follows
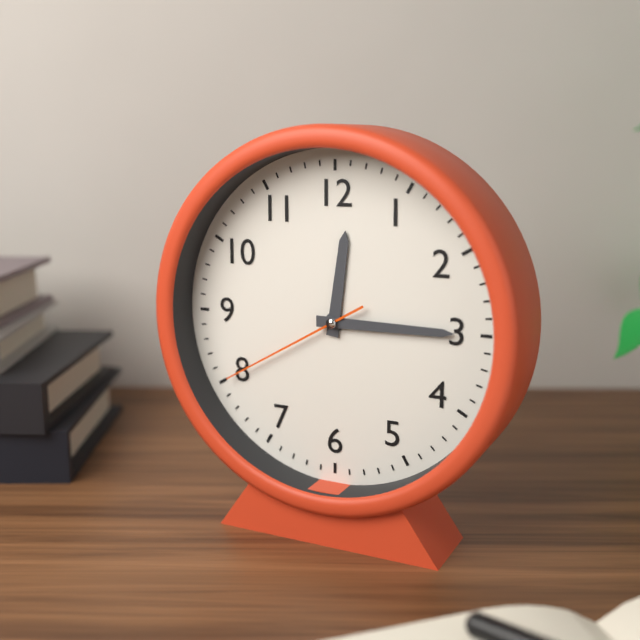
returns 12,15,40
